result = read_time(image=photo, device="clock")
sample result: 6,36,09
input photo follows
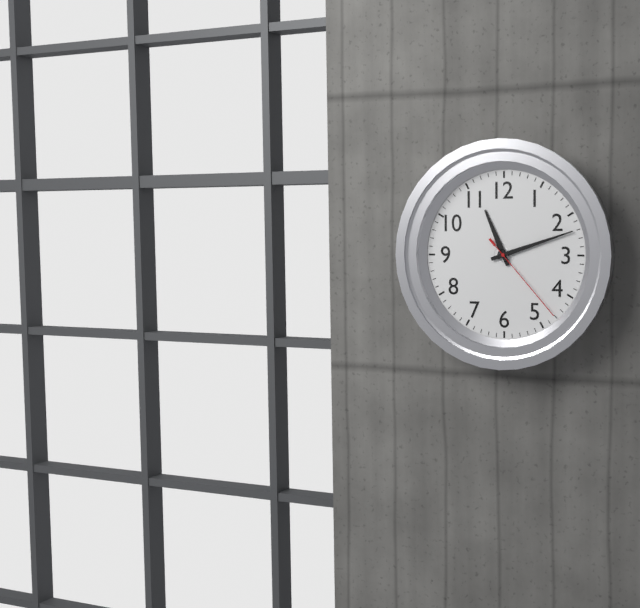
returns 11,12,23
